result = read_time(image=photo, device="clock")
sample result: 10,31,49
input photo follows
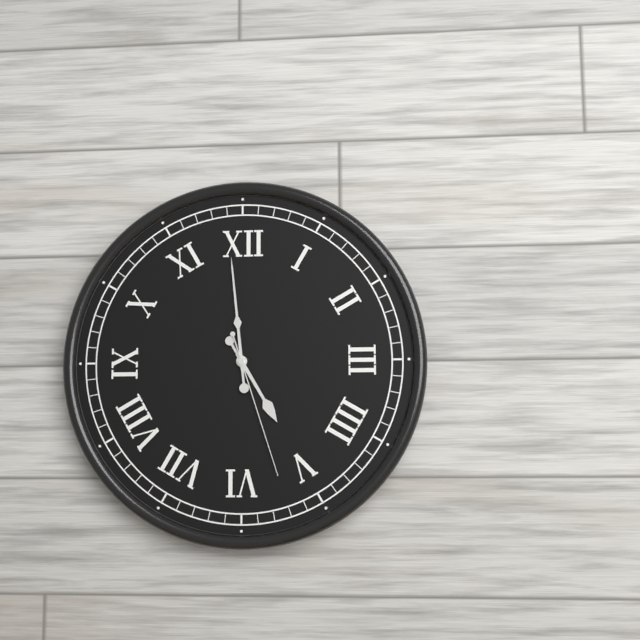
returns 4,59,27
